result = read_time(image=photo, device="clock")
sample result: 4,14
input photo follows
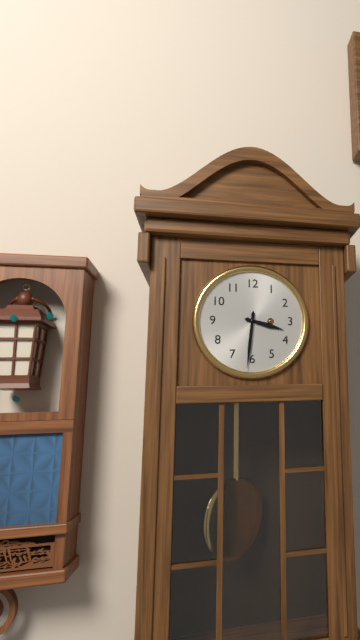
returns 3,31
